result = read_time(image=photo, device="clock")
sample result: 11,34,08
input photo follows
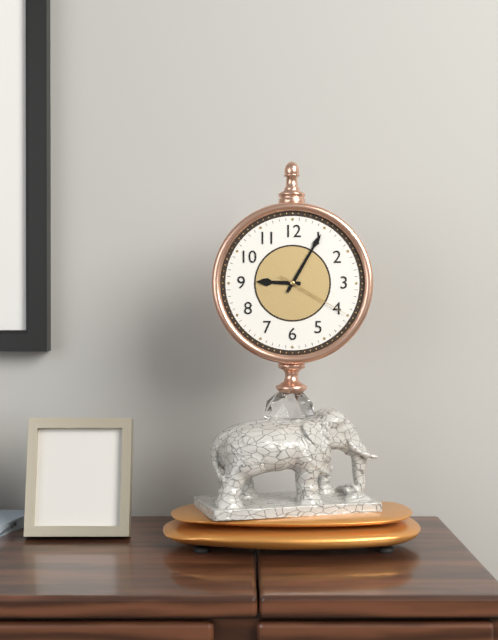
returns 9,05,20
